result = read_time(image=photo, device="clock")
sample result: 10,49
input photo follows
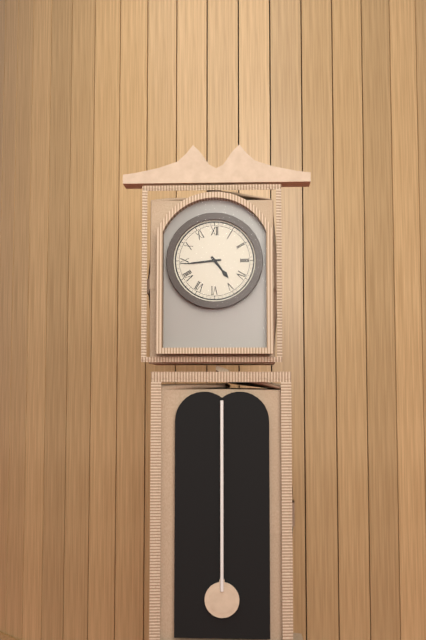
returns 4,44
